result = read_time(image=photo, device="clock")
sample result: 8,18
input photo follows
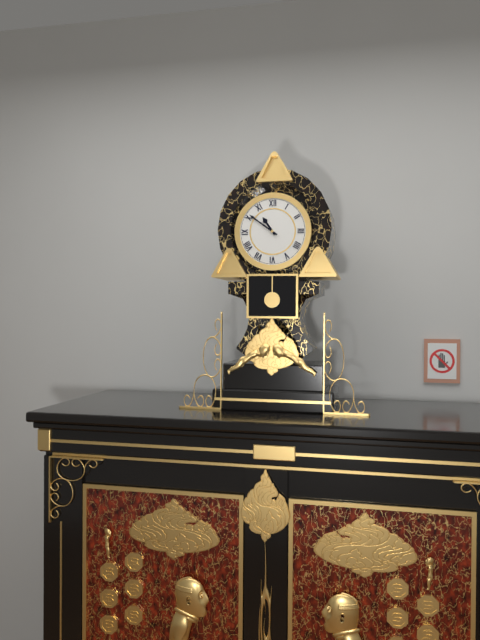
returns 10,51
